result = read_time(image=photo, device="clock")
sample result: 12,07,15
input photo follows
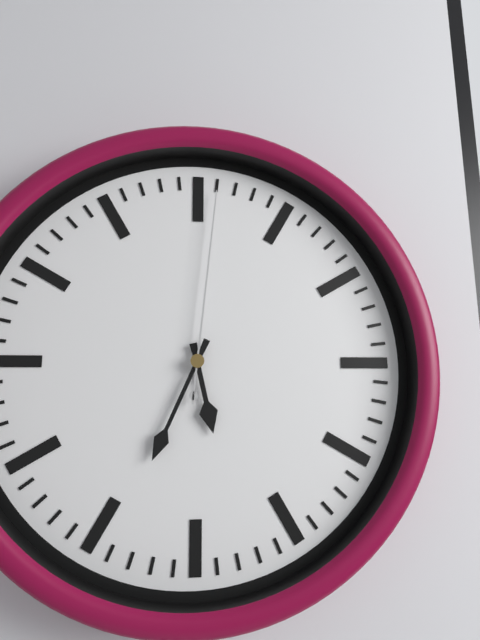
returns 5,34,01
